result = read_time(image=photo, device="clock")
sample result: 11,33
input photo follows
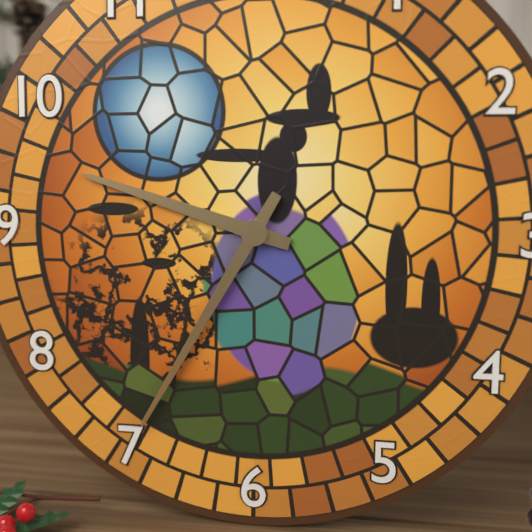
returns 9,35
